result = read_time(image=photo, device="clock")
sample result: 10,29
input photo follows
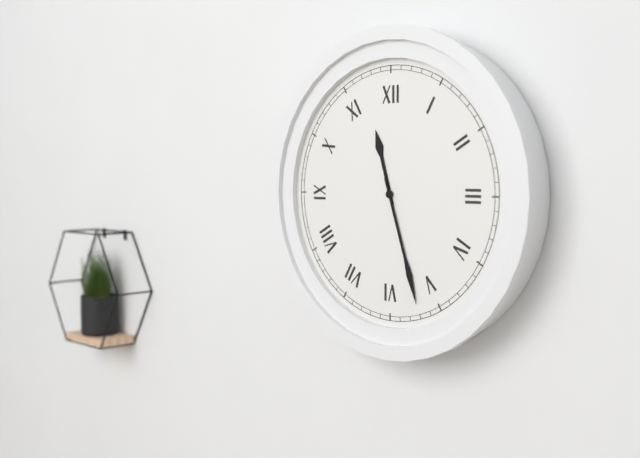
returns 11,27
